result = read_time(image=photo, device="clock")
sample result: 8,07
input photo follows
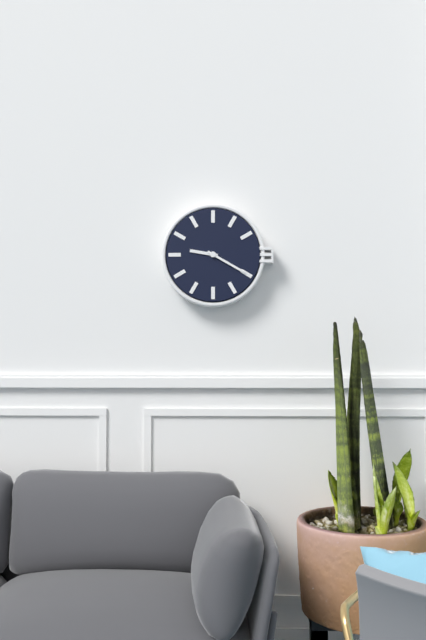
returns 9,20
